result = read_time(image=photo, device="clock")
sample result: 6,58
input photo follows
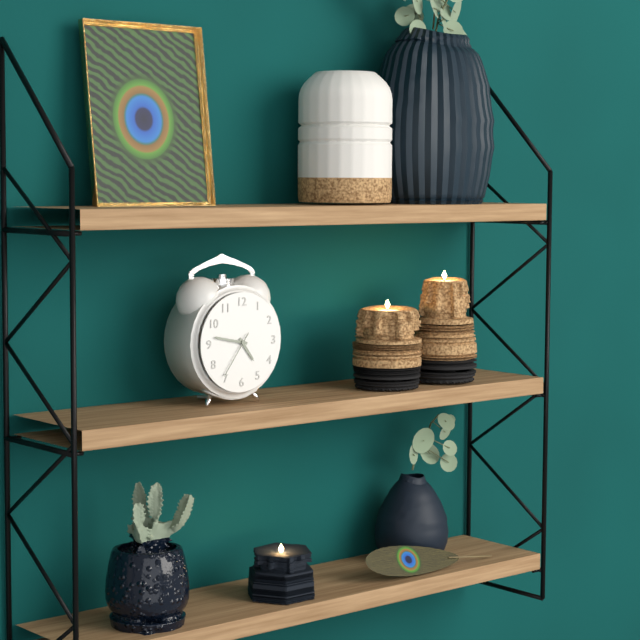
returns 4,47
